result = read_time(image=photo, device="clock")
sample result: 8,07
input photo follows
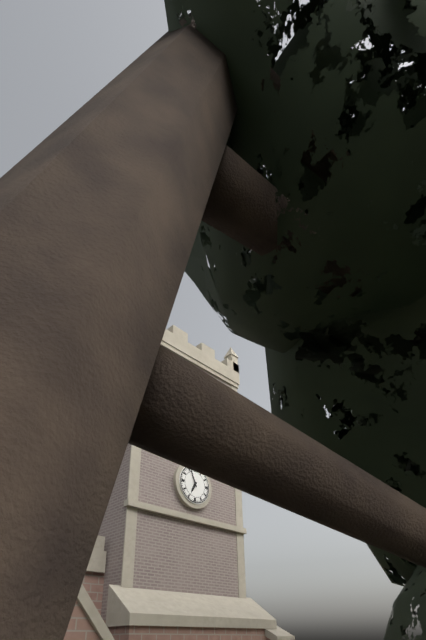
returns 6,56
